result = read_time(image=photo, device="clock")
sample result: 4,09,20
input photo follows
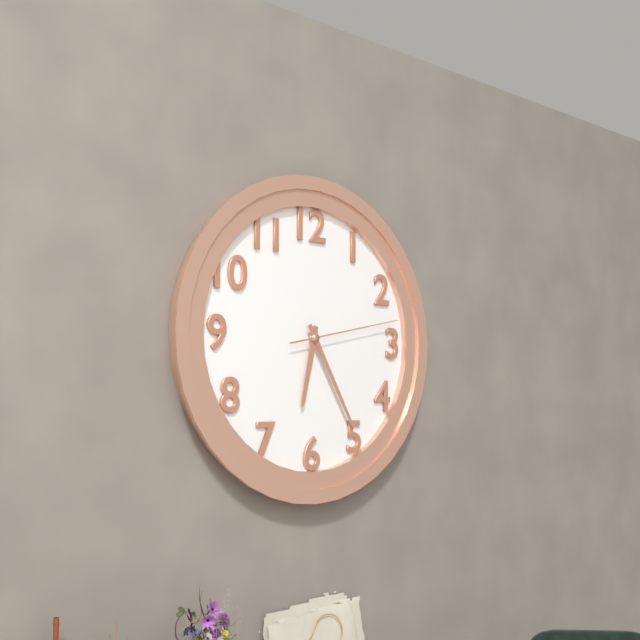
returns 6,25,13
